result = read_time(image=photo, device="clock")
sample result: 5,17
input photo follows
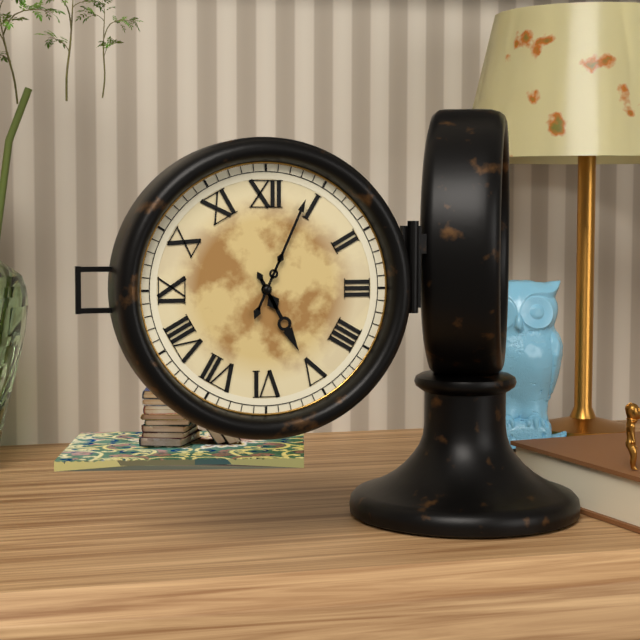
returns 5,04
